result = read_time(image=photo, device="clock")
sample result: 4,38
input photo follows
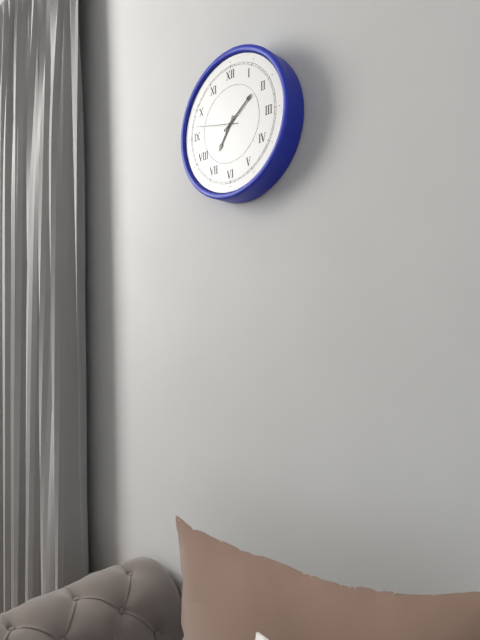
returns 7,09
